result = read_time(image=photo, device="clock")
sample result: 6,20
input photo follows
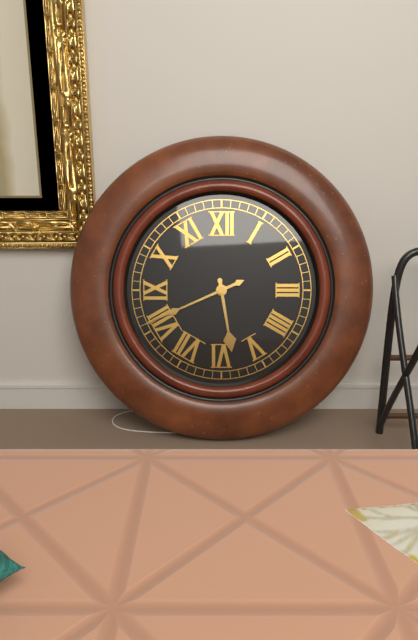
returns 5,41
